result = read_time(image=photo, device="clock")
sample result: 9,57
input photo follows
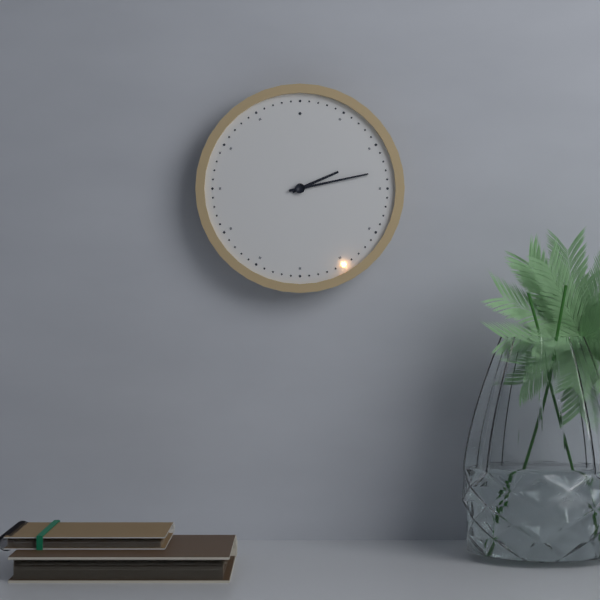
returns 2,13
